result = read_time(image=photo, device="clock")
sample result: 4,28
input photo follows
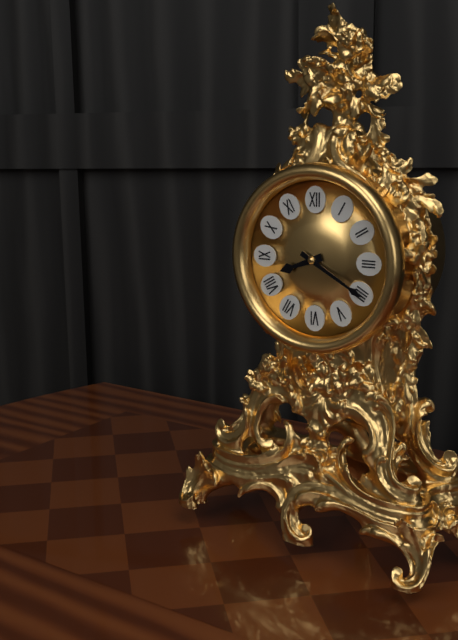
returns 8,20
